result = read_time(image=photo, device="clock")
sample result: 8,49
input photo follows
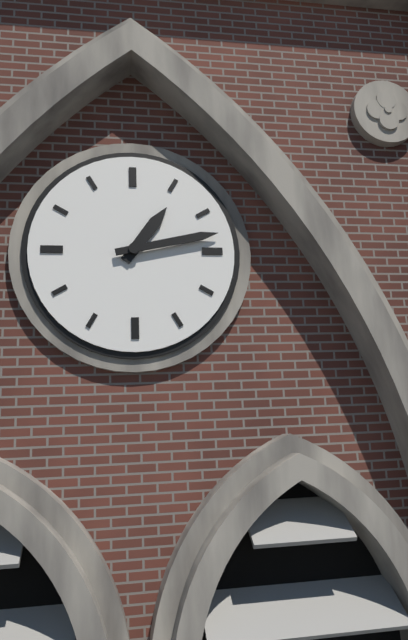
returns 1,13
